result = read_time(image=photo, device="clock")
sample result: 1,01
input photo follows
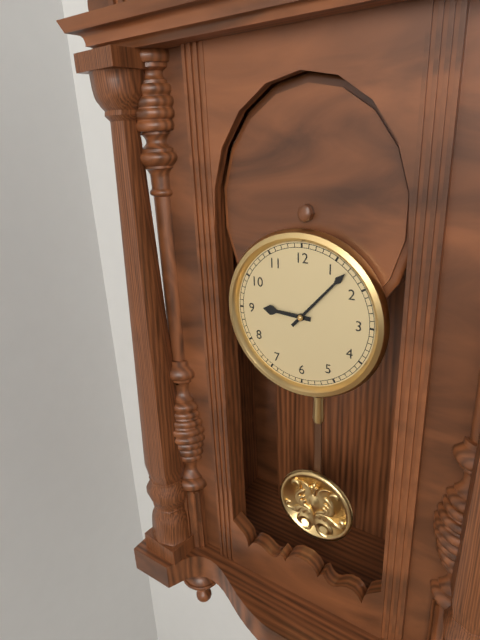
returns 9,07
